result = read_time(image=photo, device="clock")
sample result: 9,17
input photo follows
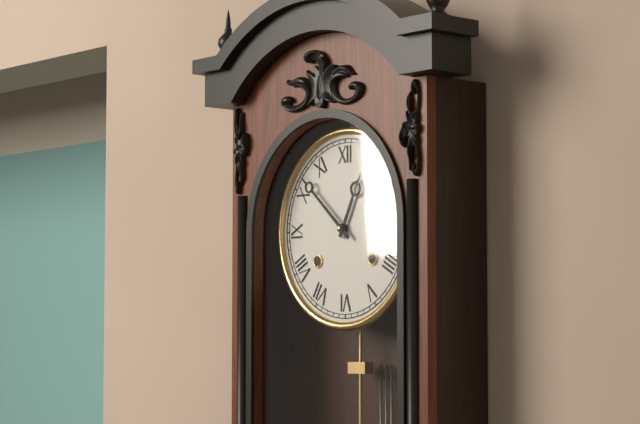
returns 12,52
